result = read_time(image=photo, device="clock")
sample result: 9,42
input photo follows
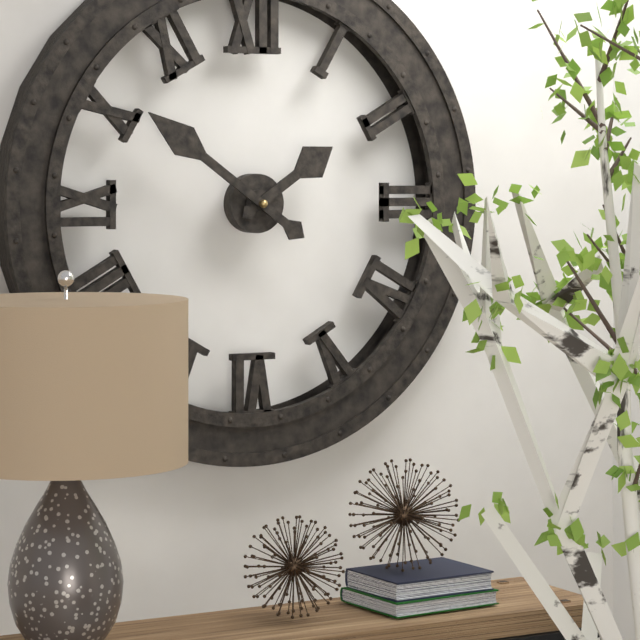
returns 1,51
